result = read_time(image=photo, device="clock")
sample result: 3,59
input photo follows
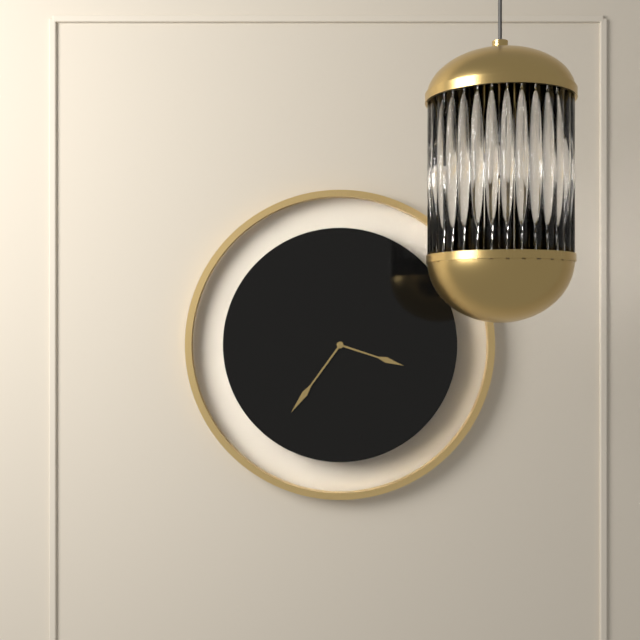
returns 3,36
